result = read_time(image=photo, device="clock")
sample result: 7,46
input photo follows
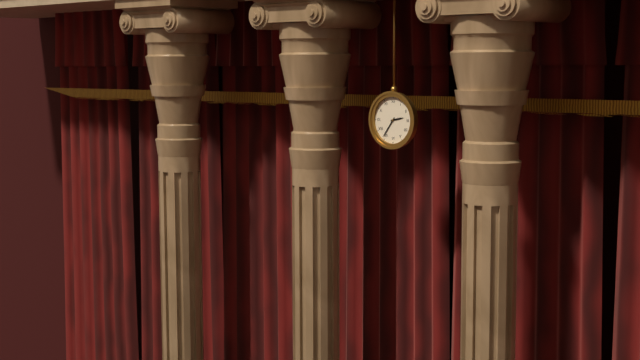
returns 2,36
